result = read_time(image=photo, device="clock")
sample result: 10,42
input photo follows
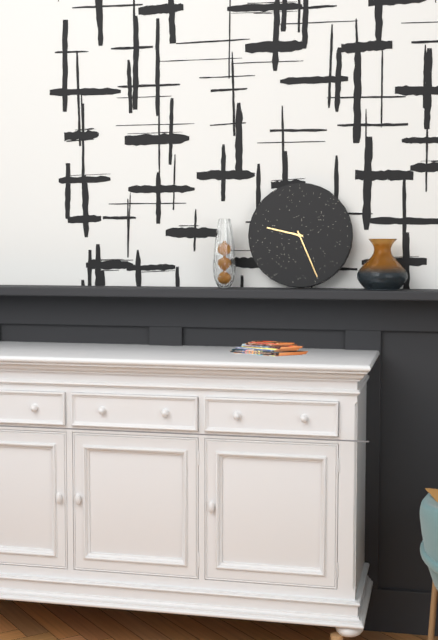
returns 9,26
